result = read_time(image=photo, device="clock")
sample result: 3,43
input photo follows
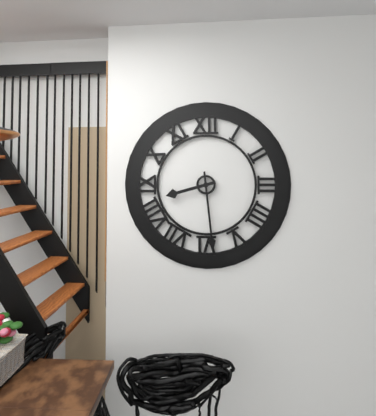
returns 8,29
